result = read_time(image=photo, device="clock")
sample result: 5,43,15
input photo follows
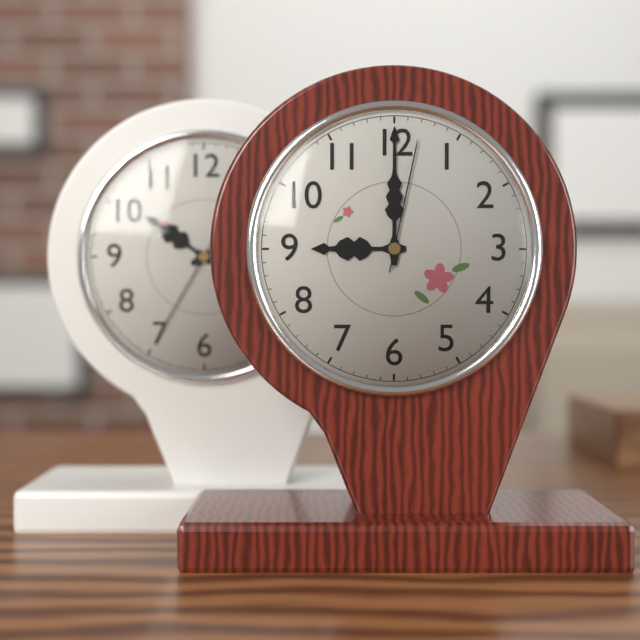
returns 9,00,02
